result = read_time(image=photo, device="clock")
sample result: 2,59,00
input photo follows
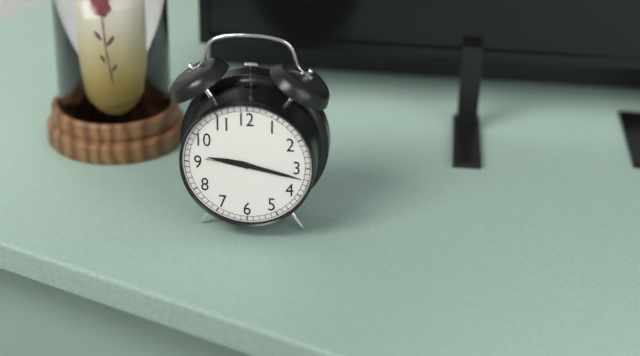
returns 9,17,46
